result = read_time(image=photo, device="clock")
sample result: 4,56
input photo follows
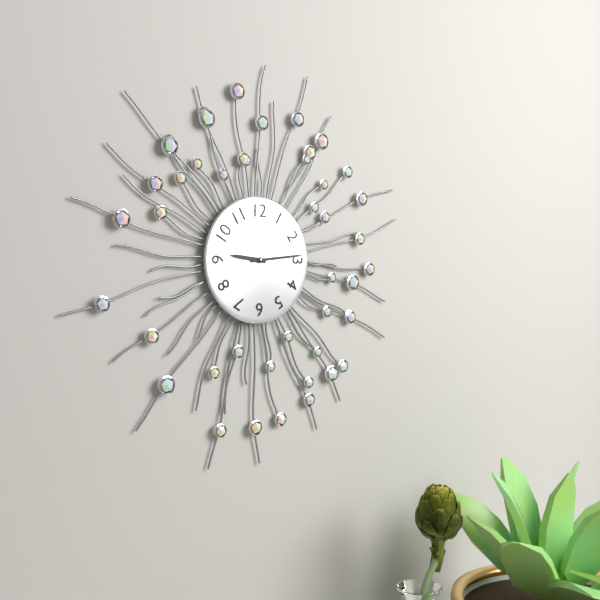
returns 9,14
